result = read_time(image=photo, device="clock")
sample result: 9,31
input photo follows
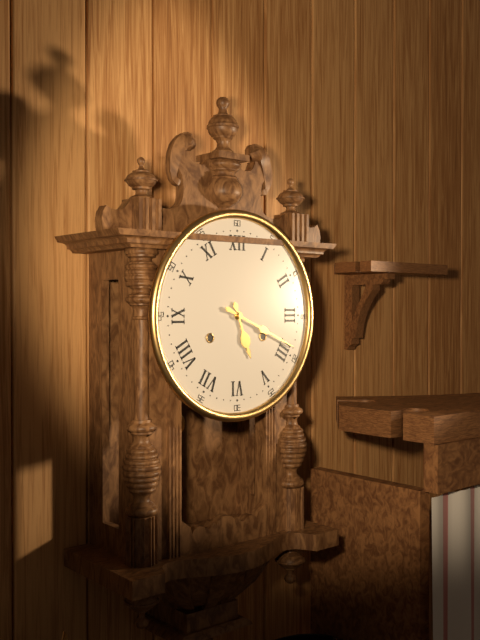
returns 5,19
